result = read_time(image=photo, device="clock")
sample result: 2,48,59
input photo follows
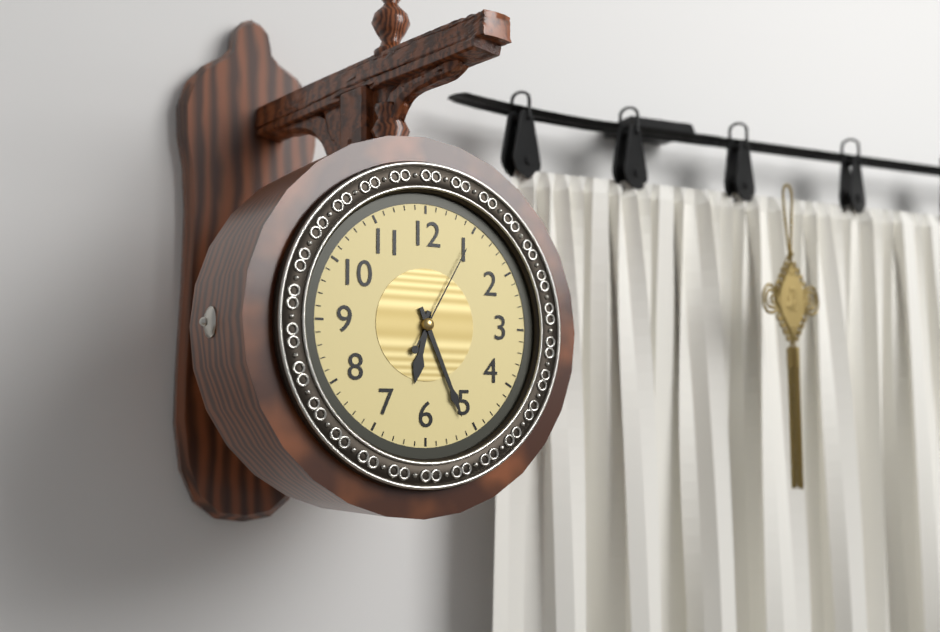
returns 6,26,05
